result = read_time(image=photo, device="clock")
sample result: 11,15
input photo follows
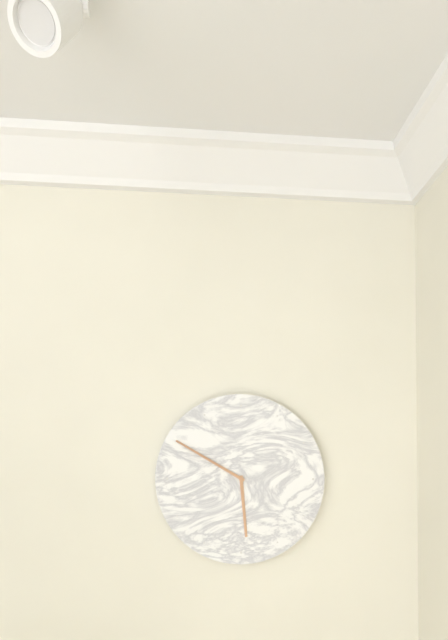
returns 5,50
